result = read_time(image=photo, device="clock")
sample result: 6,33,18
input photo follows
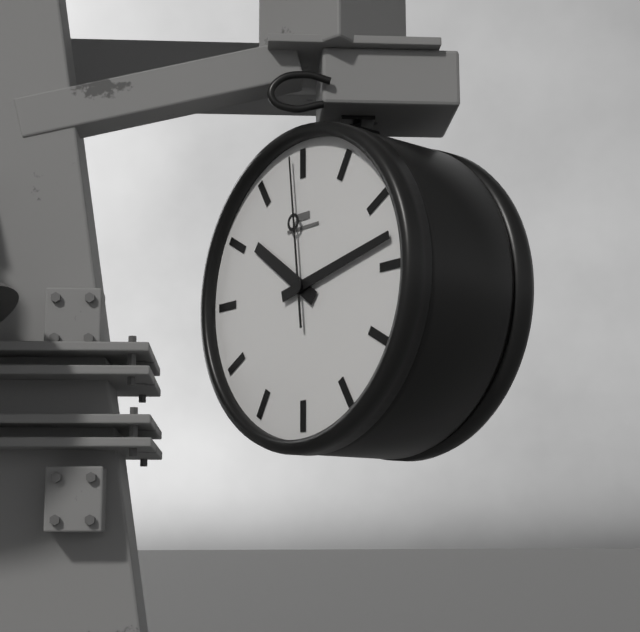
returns 10,13,59
